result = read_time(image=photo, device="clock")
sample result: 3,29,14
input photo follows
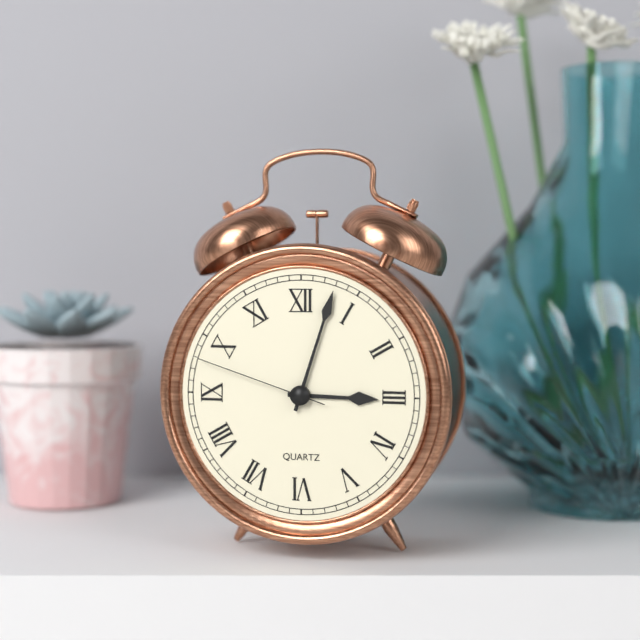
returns 3,03,48
